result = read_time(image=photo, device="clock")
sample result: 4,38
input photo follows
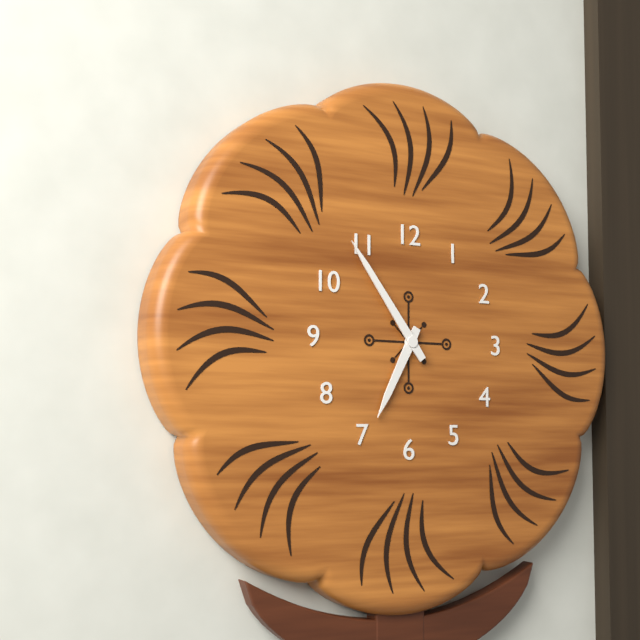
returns 6,54
